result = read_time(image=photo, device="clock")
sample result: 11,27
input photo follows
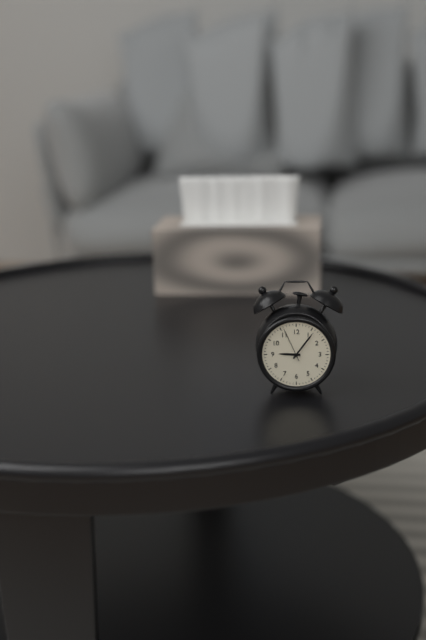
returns 9,06
